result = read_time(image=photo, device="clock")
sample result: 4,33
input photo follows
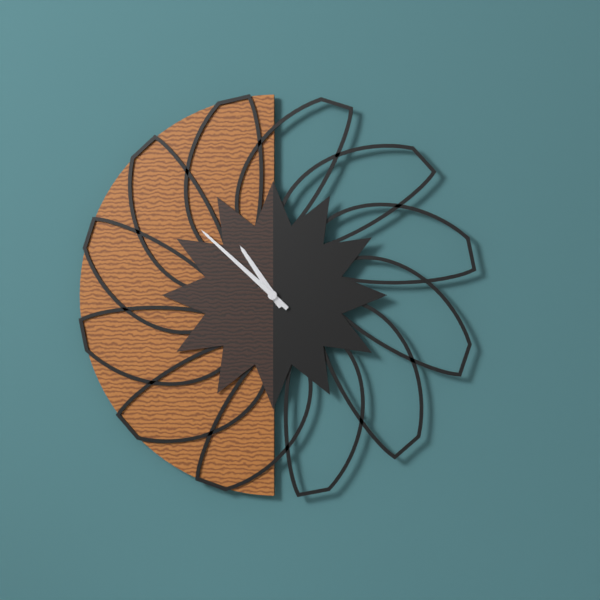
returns 10,52
